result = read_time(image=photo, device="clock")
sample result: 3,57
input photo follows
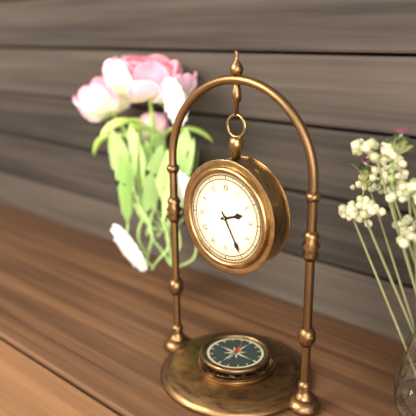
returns 2,25
